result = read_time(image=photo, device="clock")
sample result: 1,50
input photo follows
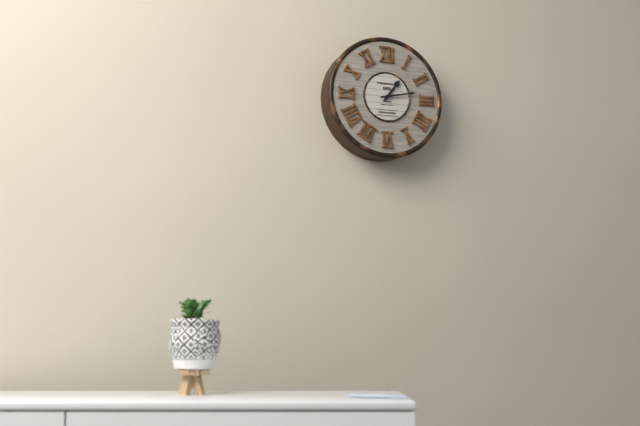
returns 1,13
